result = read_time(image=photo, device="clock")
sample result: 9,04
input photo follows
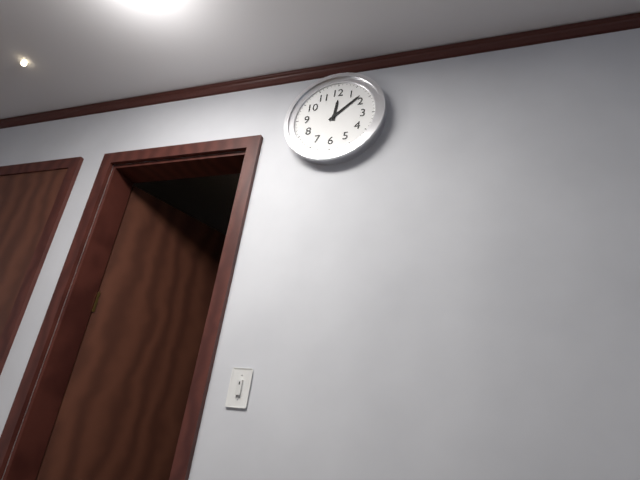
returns 12,08
